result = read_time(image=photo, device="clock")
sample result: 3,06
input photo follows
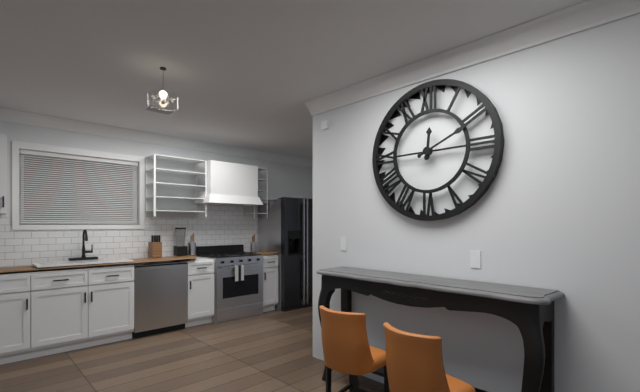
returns 12,11
